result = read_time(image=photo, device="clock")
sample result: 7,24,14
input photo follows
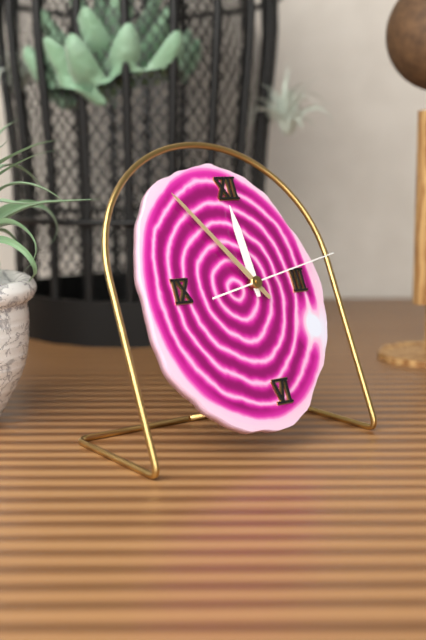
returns 11,54,13
